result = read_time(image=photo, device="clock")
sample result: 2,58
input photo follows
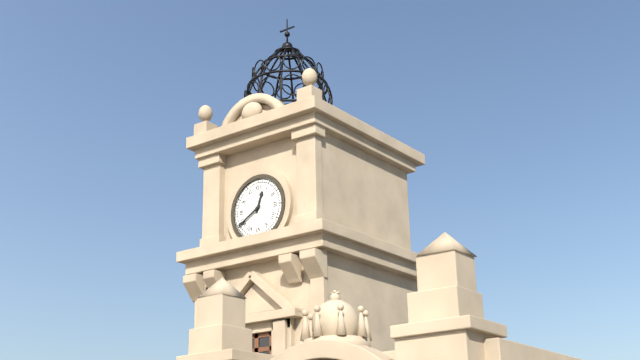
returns 12,40
